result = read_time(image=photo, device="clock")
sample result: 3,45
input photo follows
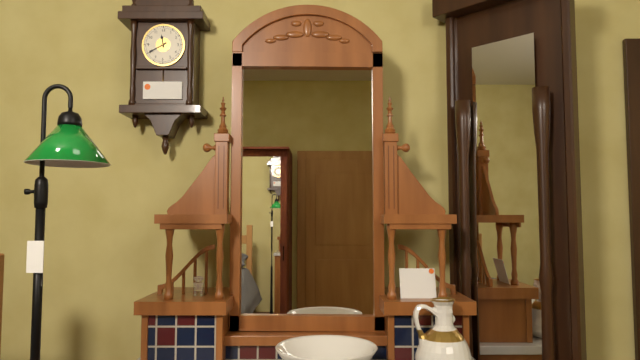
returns 11,40
